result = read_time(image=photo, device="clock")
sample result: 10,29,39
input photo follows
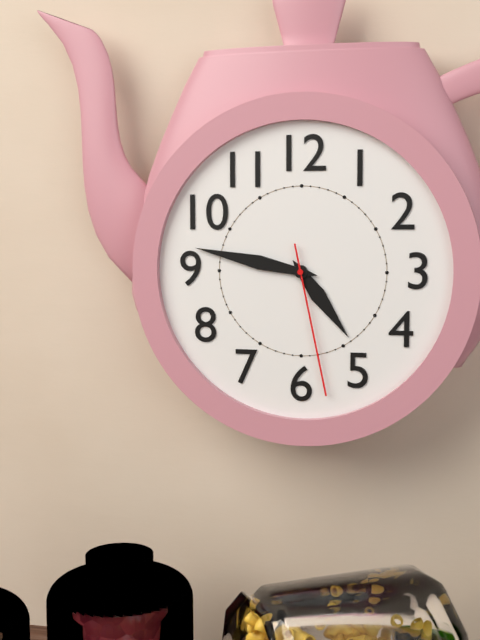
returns 4,47,28
